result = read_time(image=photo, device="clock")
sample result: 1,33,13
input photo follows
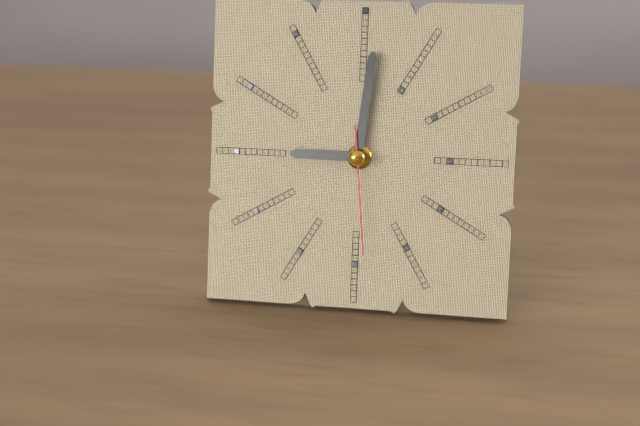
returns 9,01,29
